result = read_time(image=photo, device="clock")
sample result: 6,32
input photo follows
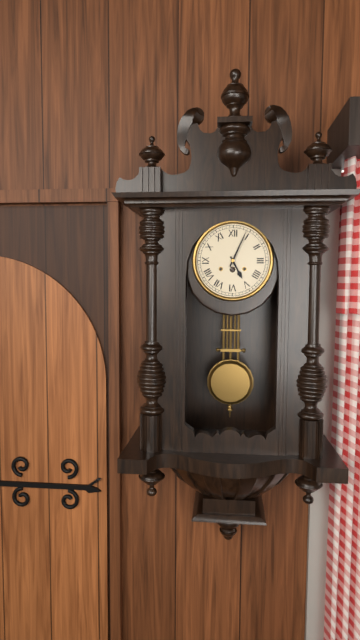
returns 5,04
